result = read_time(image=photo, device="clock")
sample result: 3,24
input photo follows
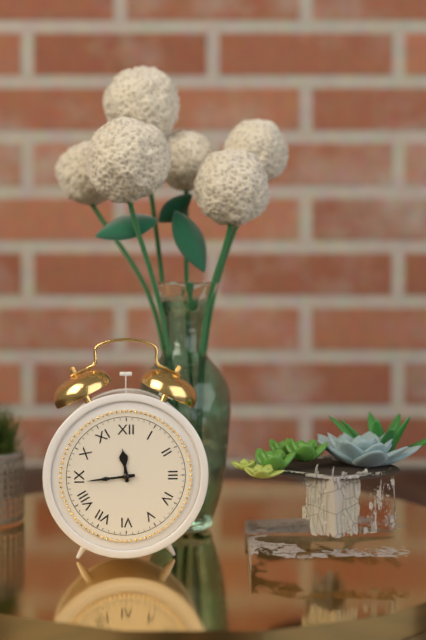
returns 11,44
